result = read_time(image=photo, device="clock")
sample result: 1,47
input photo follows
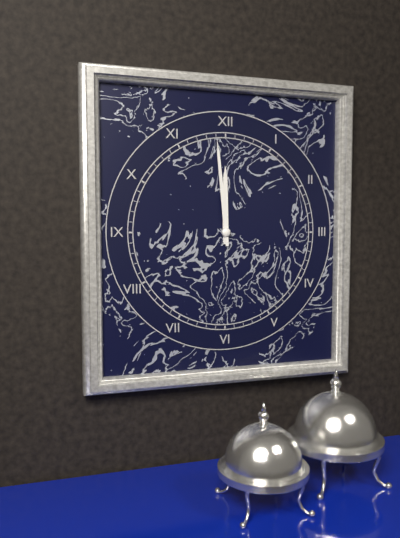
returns 11,59
